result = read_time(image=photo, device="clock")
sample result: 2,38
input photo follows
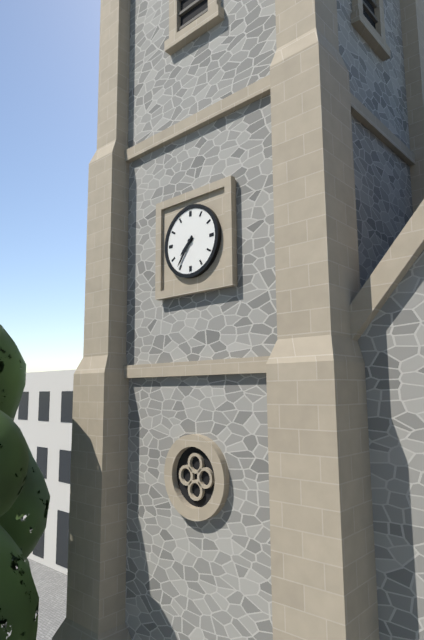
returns 7,36
